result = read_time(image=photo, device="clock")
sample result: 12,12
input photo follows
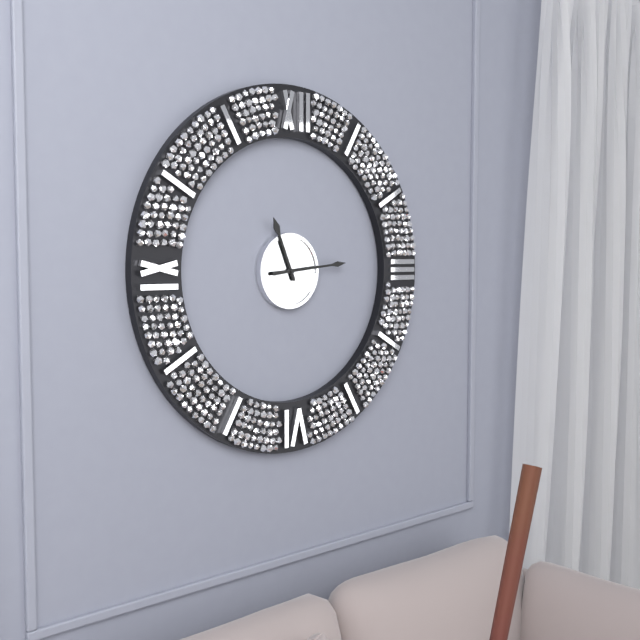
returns 11,14
